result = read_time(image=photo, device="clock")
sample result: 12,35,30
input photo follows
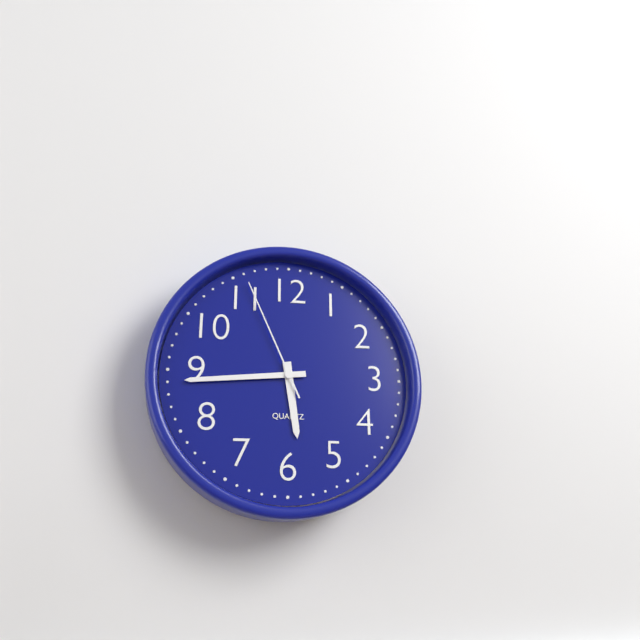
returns 5,44,56
